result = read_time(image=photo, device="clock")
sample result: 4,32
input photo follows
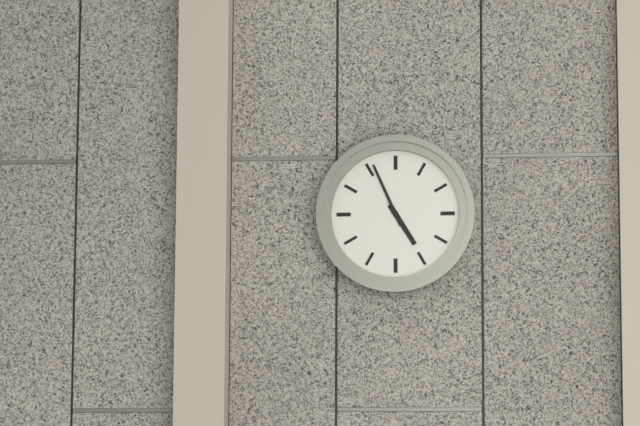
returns 4,56
